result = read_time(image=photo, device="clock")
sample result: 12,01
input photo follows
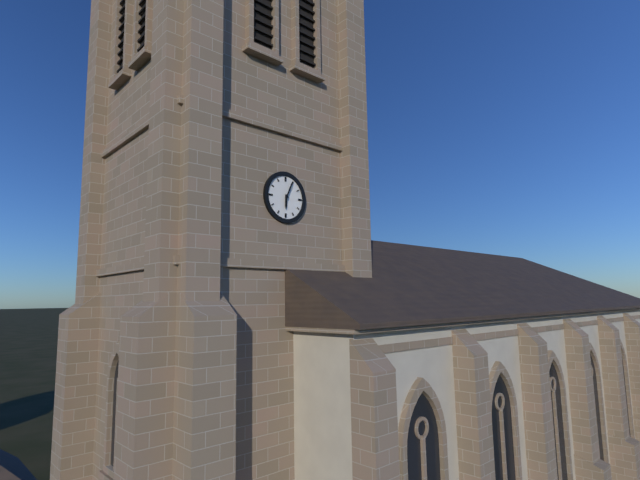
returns 6,04
